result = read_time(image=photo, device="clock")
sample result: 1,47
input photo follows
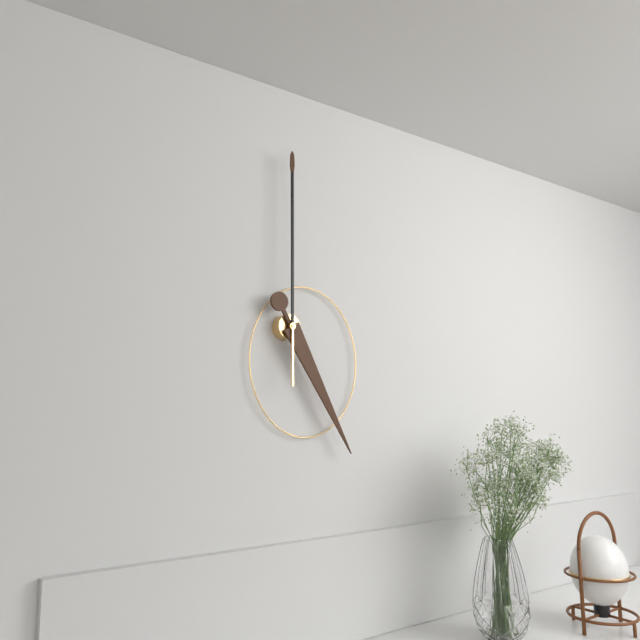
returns 5,00
